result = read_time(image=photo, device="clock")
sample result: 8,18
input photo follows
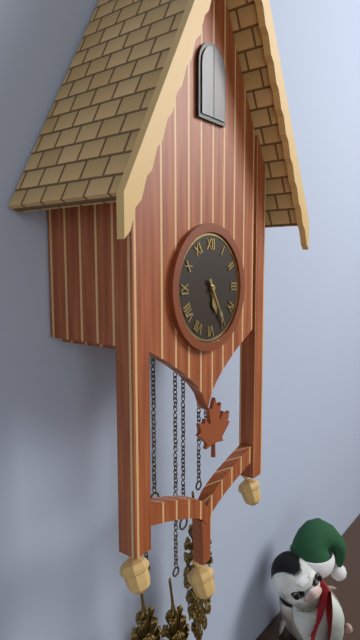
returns 5,25
